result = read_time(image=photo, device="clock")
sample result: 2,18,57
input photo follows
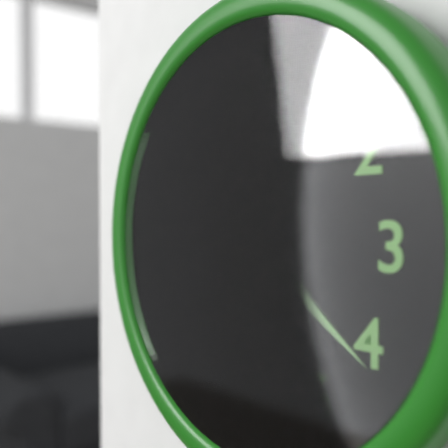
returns 6,21,30
